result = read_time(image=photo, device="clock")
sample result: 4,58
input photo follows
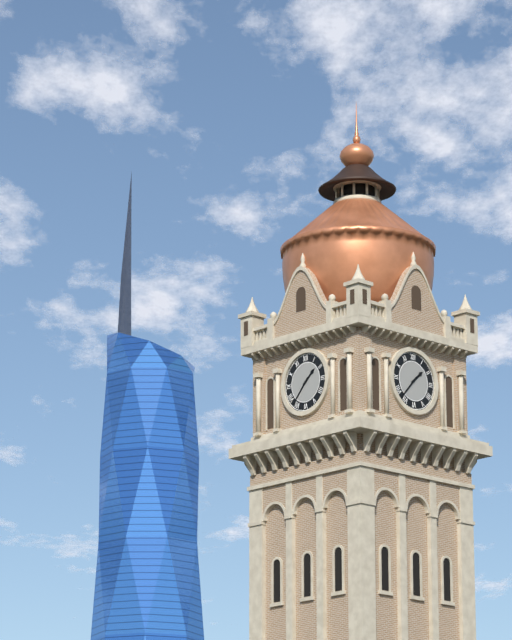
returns 1,37
